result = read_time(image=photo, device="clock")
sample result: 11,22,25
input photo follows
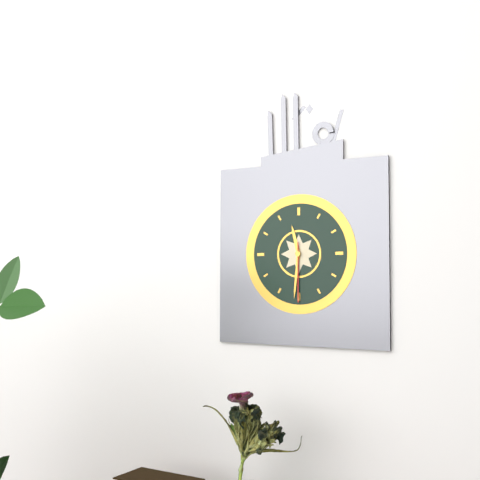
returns 11,31,30
